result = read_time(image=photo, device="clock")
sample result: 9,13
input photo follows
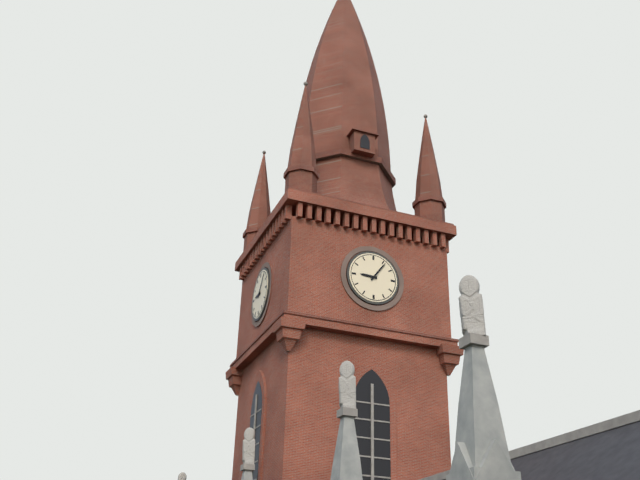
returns 9,06
